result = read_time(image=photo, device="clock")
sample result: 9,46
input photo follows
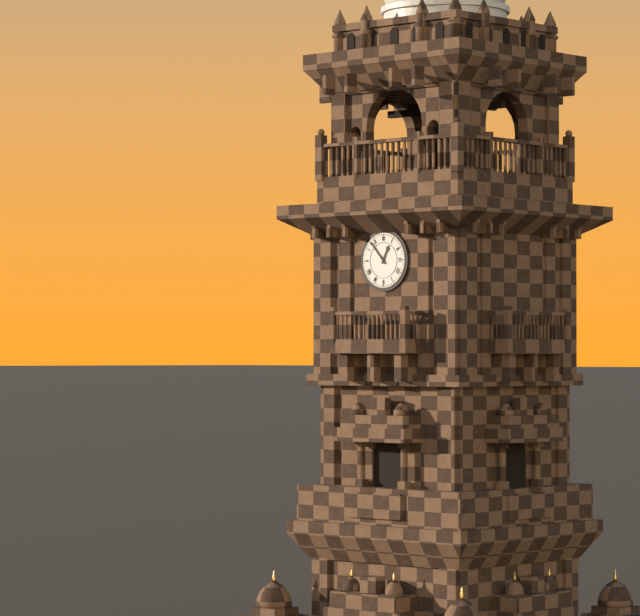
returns 12,53
